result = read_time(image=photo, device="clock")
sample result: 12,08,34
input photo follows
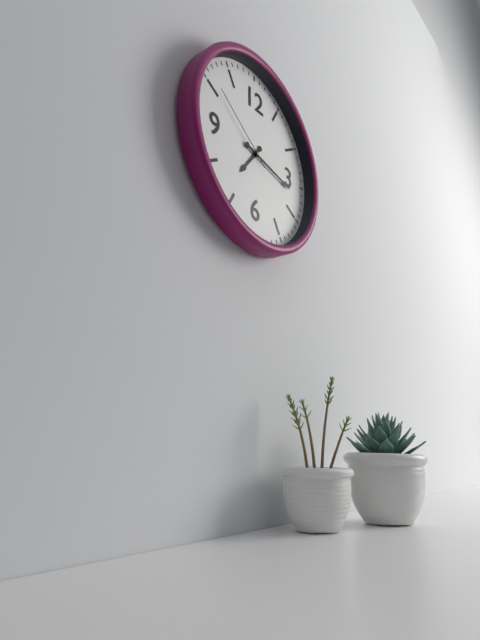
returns 7,17,51
